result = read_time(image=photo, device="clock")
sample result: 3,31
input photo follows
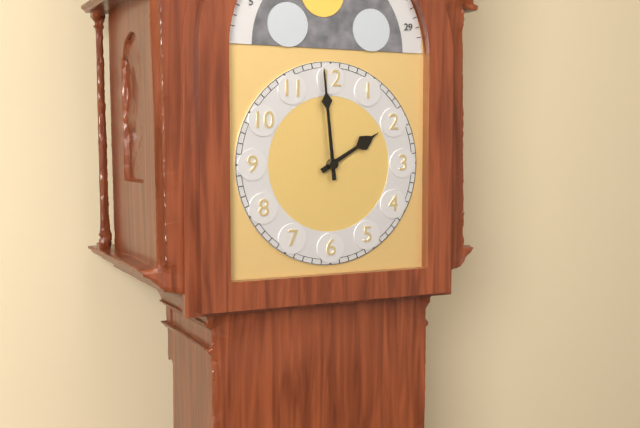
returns 1,59
